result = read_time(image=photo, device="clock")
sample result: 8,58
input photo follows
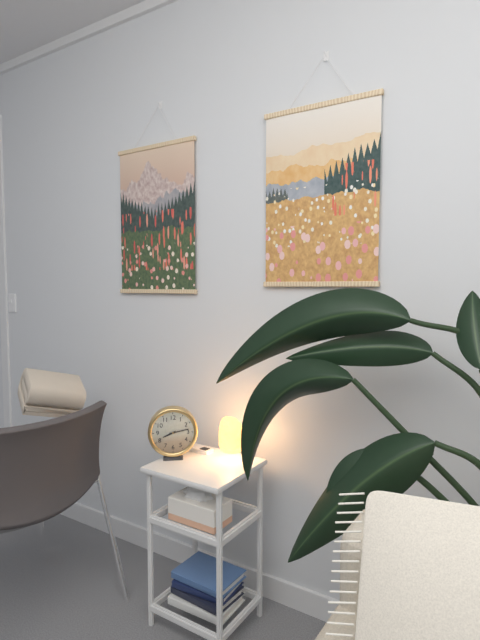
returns 8,13
